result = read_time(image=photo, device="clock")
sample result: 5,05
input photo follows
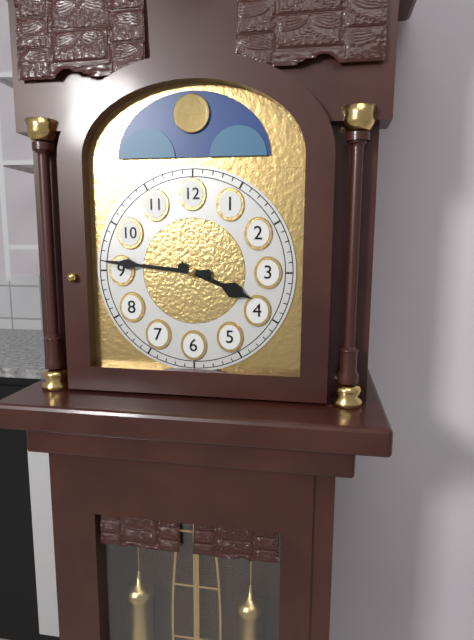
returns 3,46
